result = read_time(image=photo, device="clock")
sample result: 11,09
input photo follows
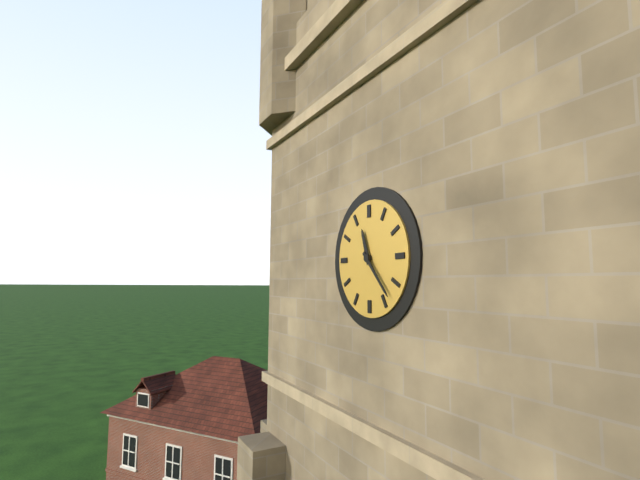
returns 11,23
